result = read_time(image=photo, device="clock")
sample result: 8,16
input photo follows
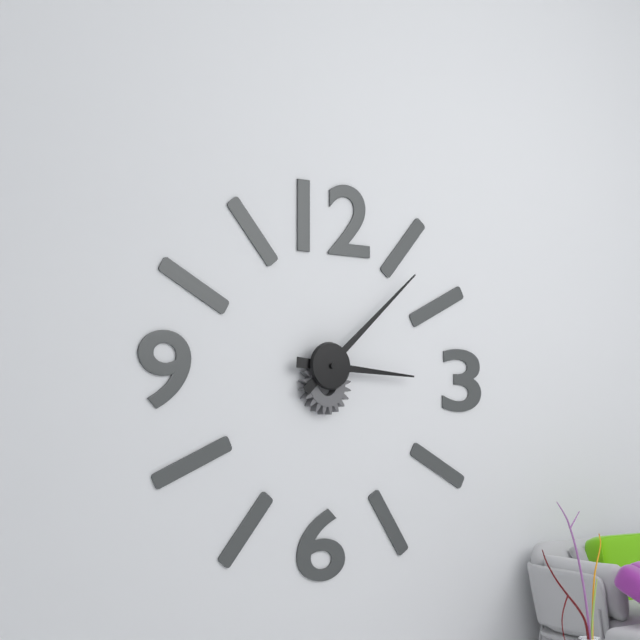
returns 3,08
